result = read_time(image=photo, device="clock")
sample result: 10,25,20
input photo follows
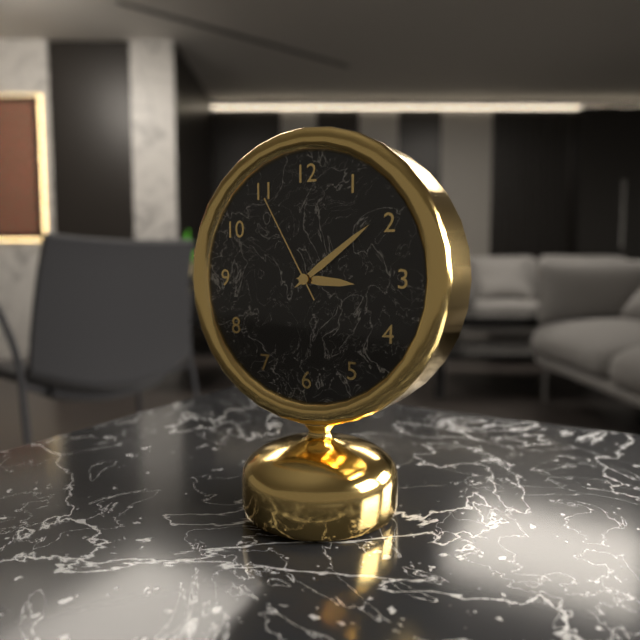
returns 3,09,55
